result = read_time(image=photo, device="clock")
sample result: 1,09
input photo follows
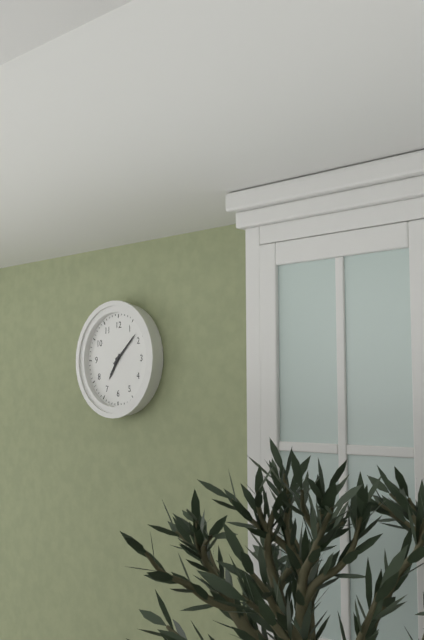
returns 7,08
